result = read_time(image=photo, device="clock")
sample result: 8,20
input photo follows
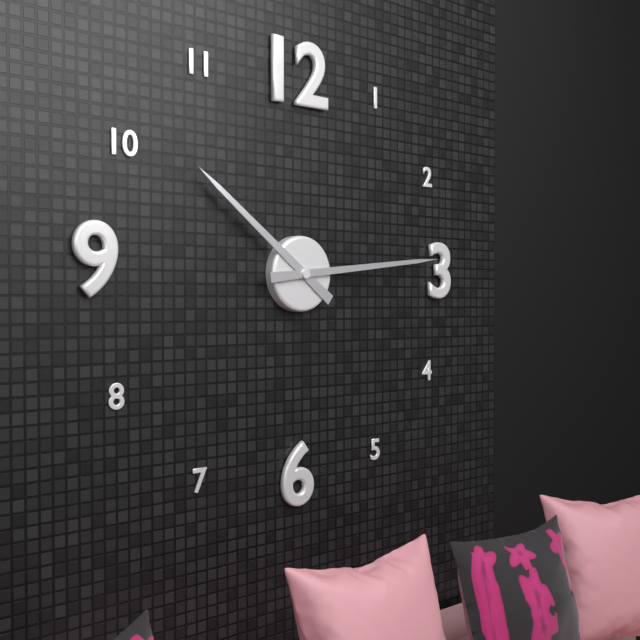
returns 10,14
